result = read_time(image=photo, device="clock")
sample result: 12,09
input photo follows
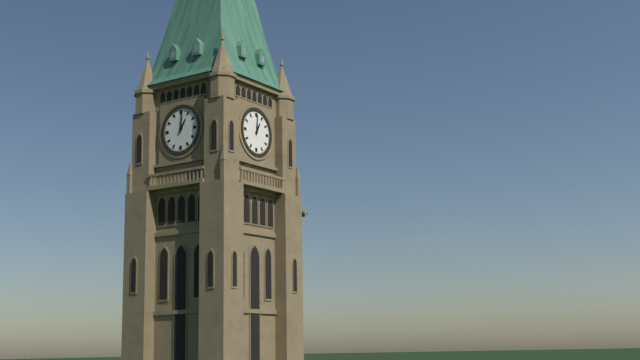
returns 1,01
